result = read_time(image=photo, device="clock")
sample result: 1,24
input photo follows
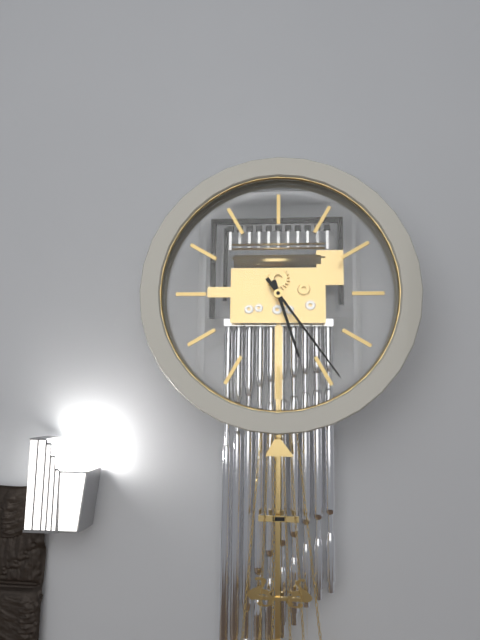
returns 5,24
